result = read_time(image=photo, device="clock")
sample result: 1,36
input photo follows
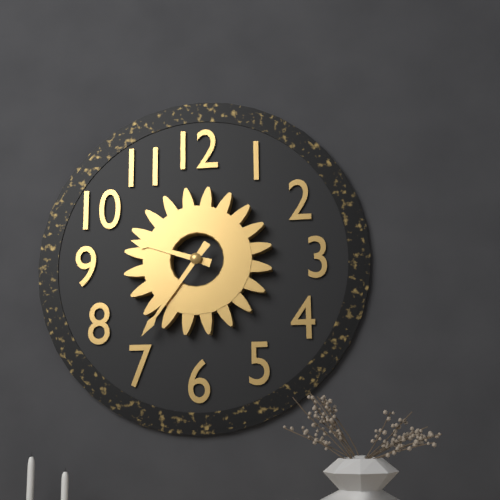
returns 9,36
